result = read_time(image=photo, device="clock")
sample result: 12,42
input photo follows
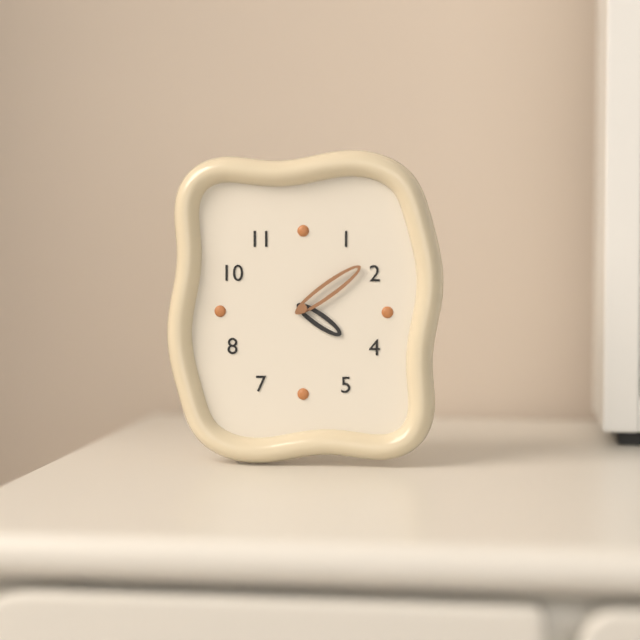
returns 4,09
